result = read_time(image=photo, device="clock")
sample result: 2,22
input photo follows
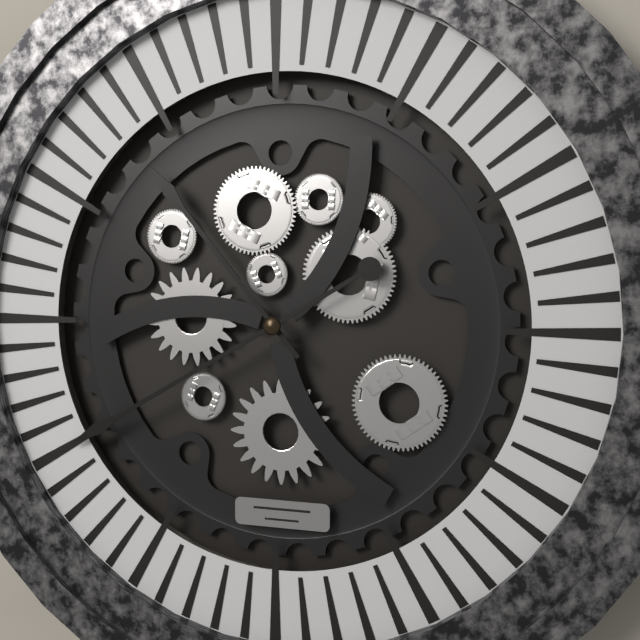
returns 10,40
